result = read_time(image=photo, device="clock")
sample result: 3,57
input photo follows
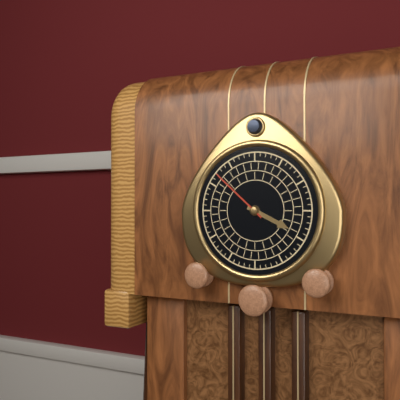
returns 3,52
